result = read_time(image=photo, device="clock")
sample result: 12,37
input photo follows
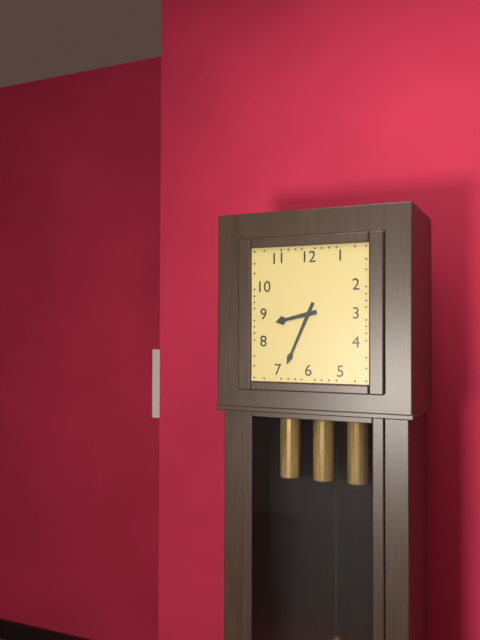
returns 8,34
